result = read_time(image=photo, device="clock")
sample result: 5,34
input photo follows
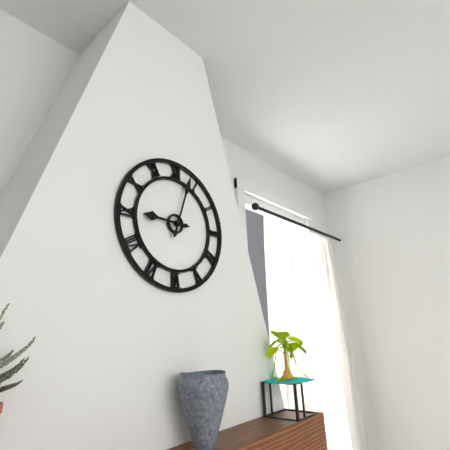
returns 9,03
